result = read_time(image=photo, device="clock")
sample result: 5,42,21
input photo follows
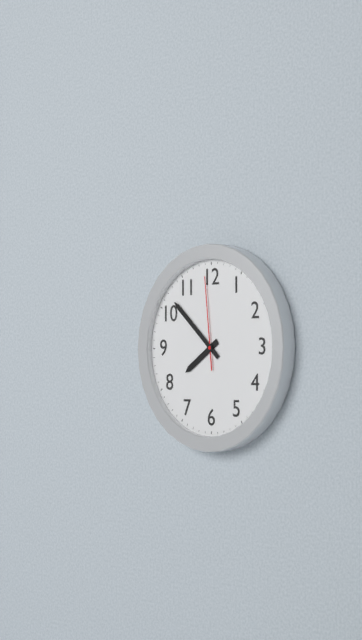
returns 7,52,59
